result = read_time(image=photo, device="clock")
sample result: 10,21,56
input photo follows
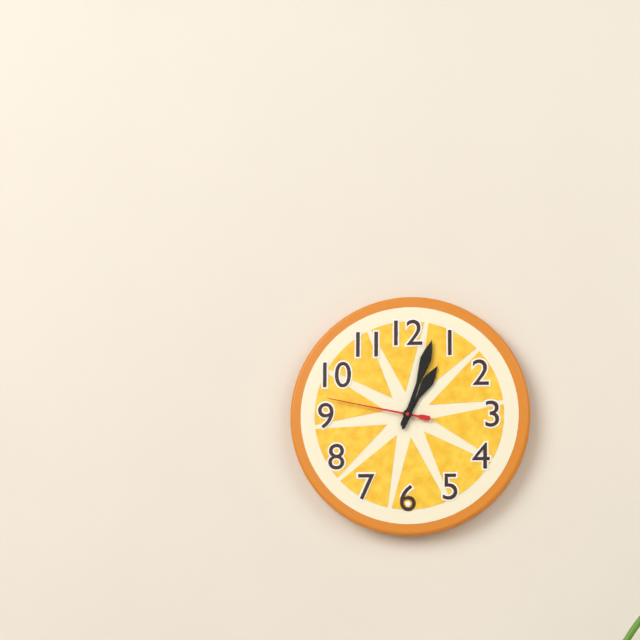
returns 1,03,47
